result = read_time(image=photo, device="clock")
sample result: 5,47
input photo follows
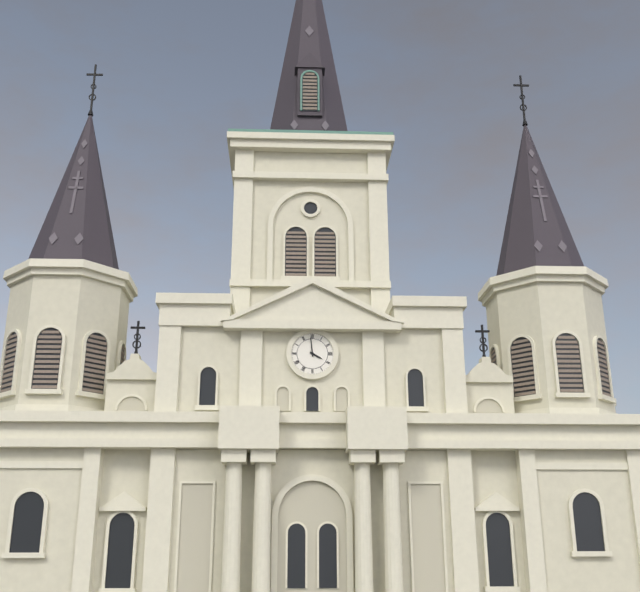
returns 3,59
